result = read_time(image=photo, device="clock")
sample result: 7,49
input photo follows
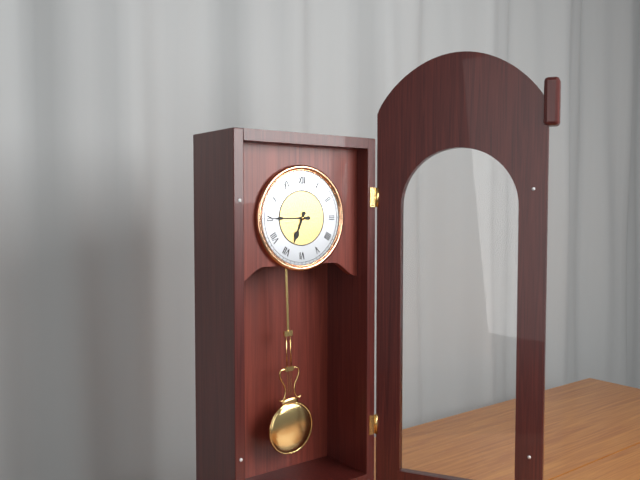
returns 6,45
